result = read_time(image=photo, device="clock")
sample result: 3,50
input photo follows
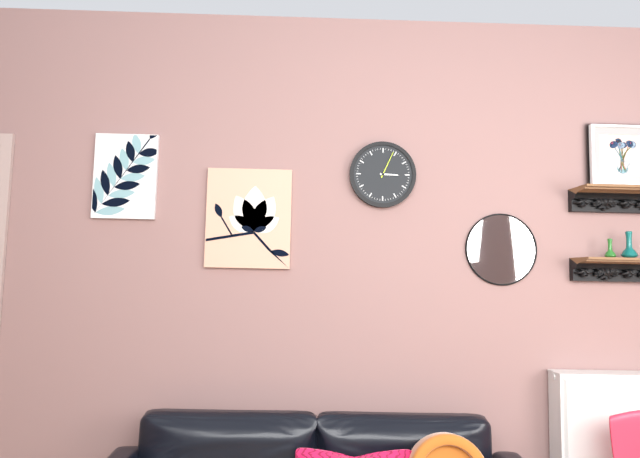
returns 3,04
